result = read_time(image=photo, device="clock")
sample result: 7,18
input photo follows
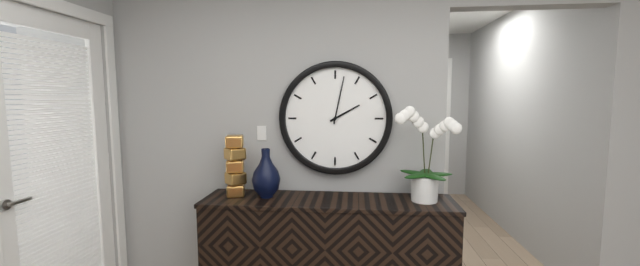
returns 2,02
